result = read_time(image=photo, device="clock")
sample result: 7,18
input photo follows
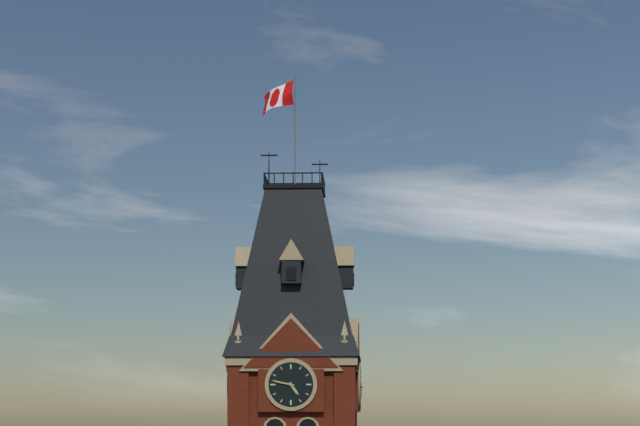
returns 4,47
